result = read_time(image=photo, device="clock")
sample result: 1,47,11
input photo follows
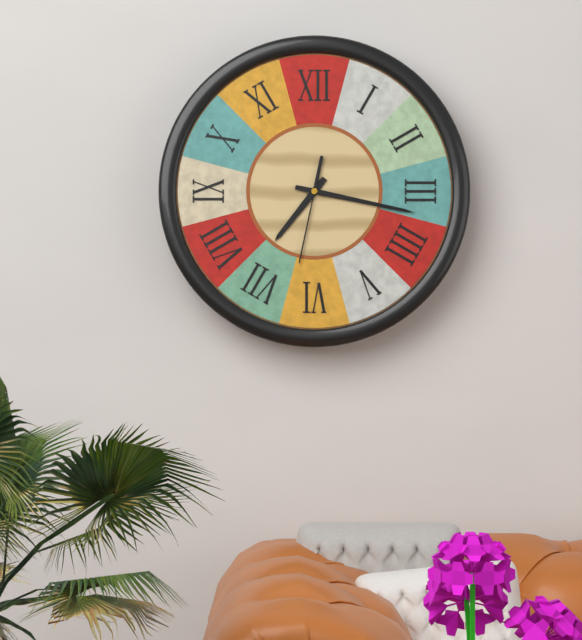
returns 7,17,32
